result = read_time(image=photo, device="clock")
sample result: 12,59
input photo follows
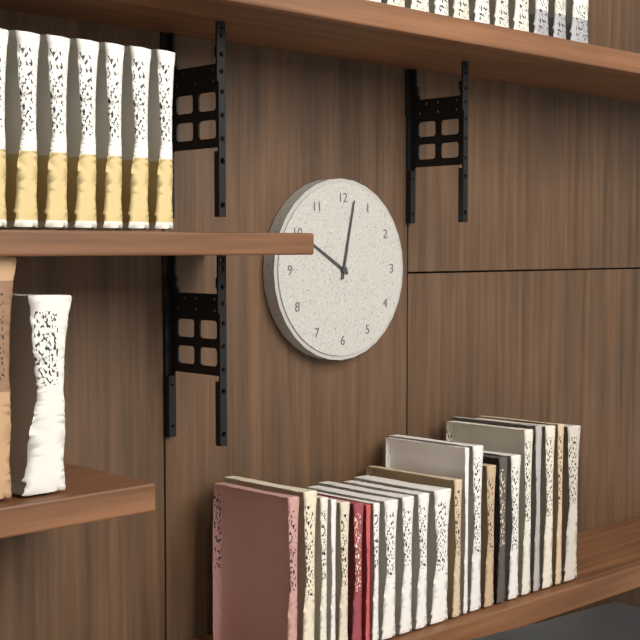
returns 10,02
